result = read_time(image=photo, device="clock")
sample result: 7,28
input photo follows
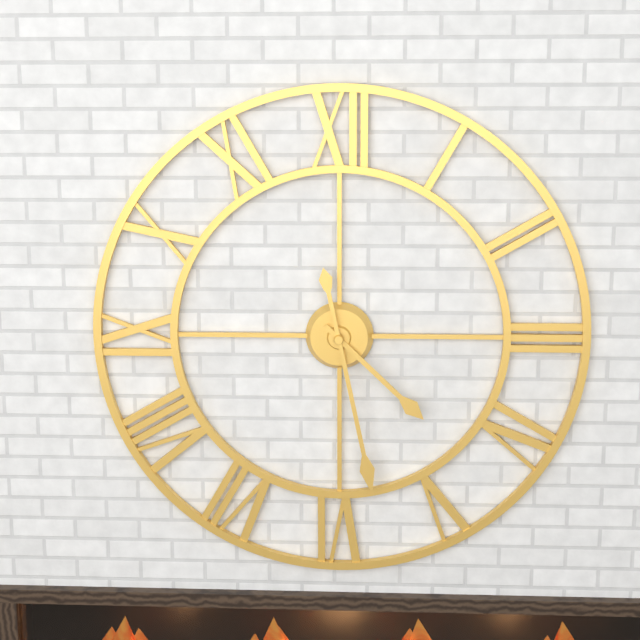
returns 4,28
